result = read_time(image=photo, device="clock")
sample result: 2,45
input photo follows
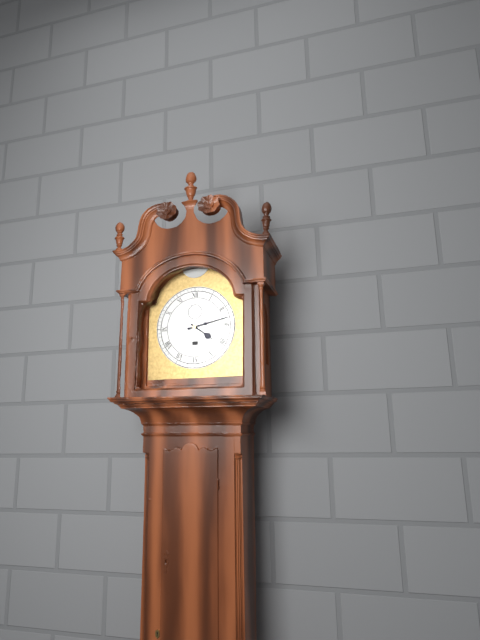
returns 4,13
